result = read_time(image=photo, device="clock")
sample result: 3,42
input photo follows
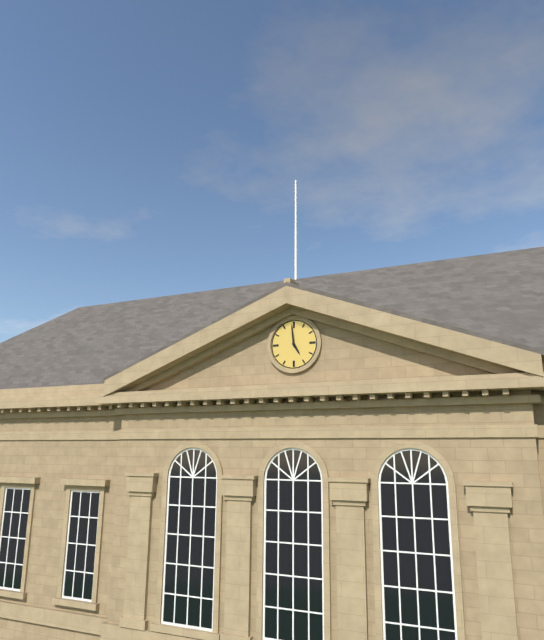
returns 4,59
